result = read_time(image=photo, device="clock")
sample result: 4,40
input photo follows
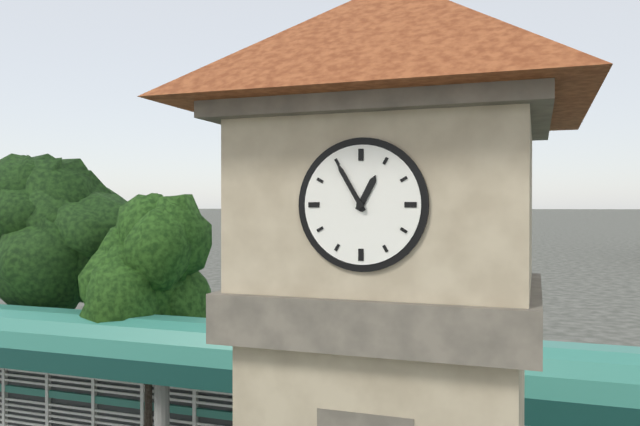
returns 12,55
